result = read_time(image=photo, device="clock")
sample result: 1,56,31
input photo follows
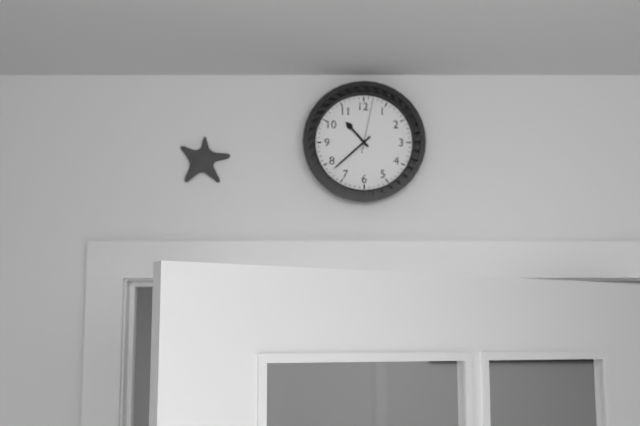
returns 10,38,02
